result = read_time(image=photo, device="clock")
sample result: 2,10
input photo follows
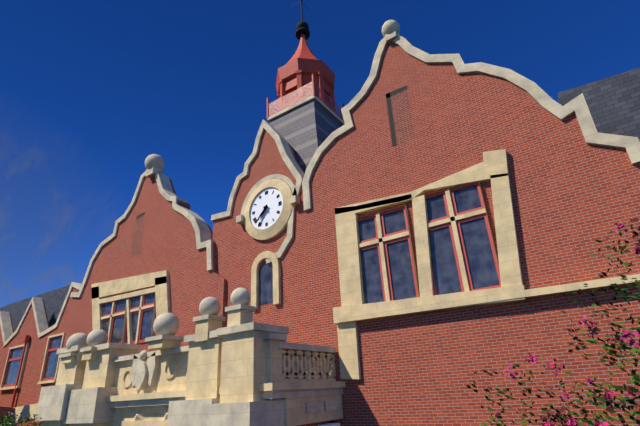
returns 7,37
